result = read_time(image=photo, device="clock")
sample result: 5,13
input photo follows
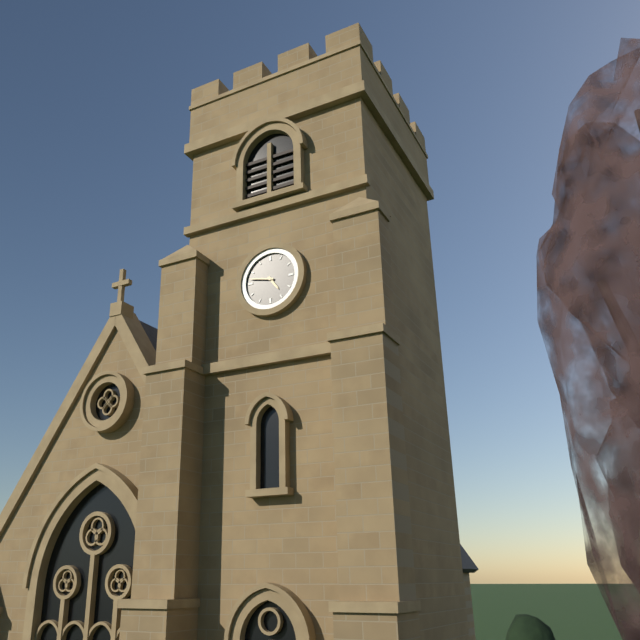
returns 4,47
